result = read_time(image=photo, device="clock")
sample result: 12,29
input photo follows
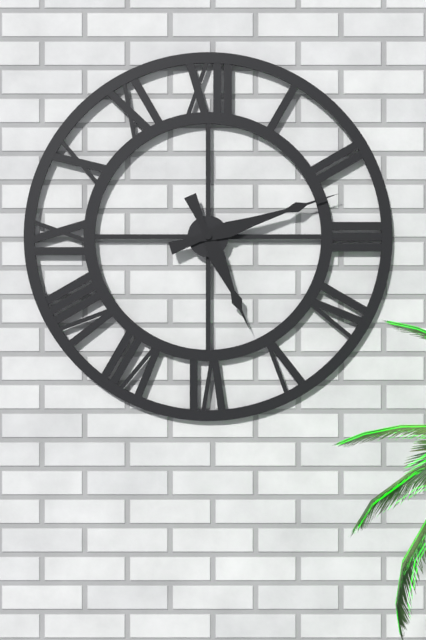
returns 5,12
